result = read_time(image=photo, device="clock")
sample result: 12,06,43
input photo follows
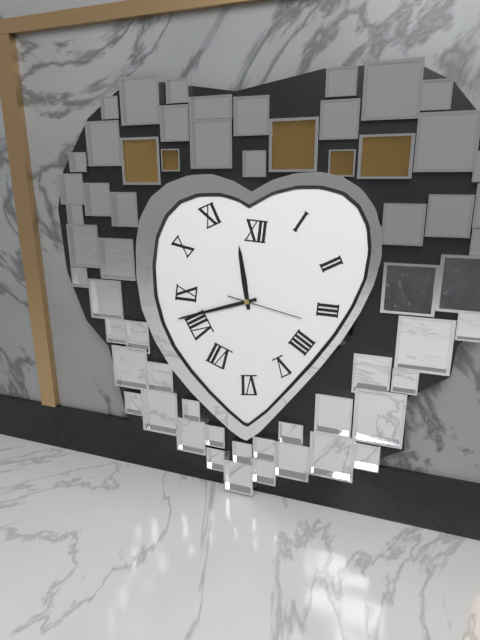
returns 11,42,17
